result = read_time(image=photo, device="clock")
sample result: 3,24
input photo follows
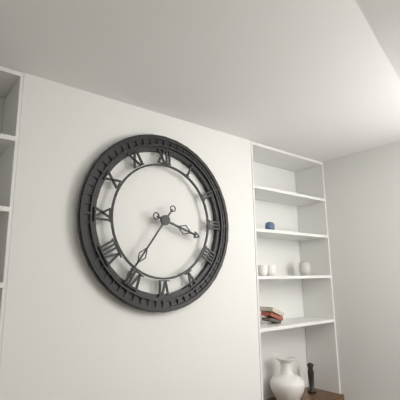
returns 3,36
